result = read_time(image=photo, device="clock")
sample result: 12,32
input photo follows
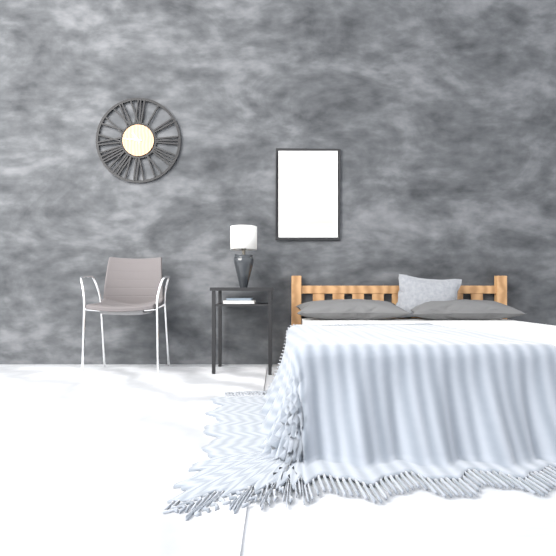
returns 10,46
